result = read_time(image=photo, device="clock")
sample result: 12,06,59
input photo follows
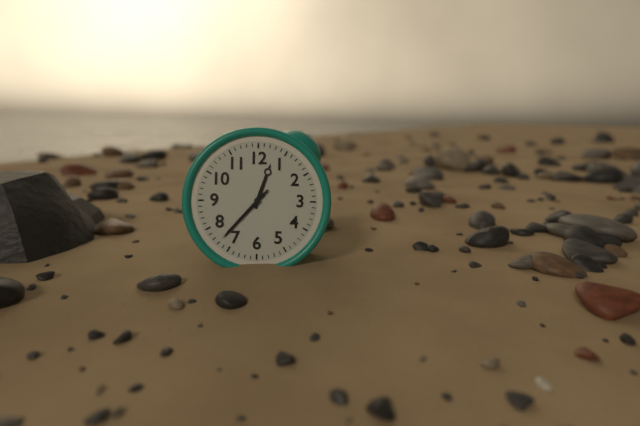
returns 12,37,37
